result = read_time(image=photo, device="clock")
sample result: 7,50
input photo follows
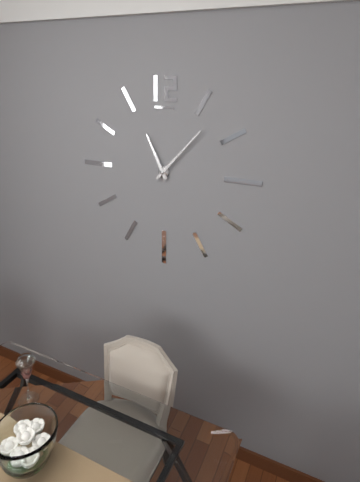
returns 11,07
